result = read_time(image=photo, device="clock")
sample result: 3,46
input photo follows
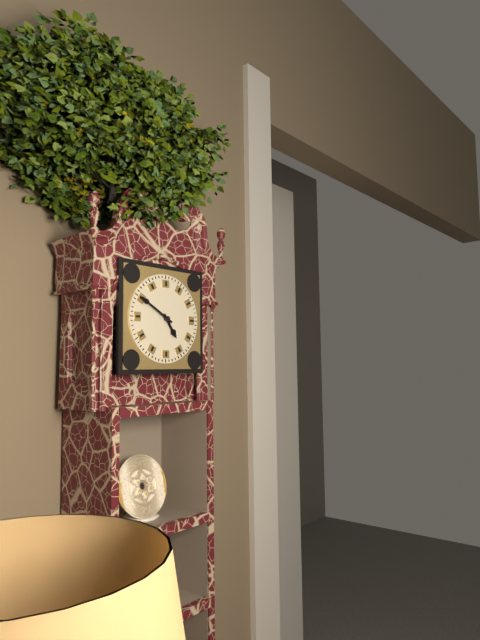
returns 4,50
